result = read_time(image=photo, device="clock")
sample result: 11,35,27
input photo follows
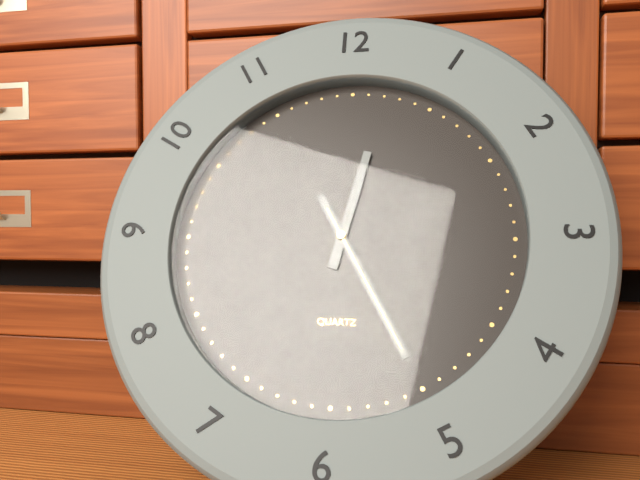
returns 12,25,25
